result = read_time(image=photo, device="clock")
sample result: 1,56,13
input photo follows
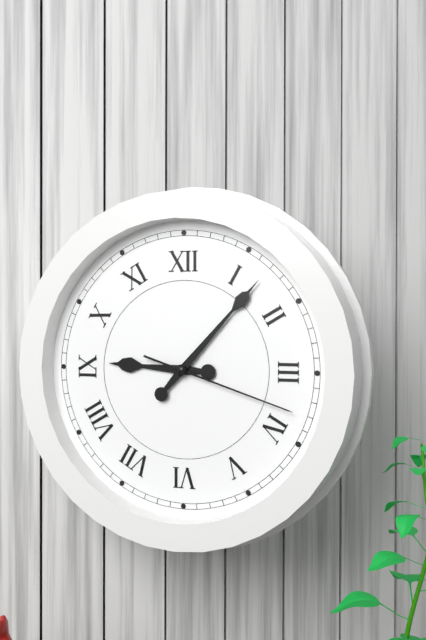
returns 9,07,18
